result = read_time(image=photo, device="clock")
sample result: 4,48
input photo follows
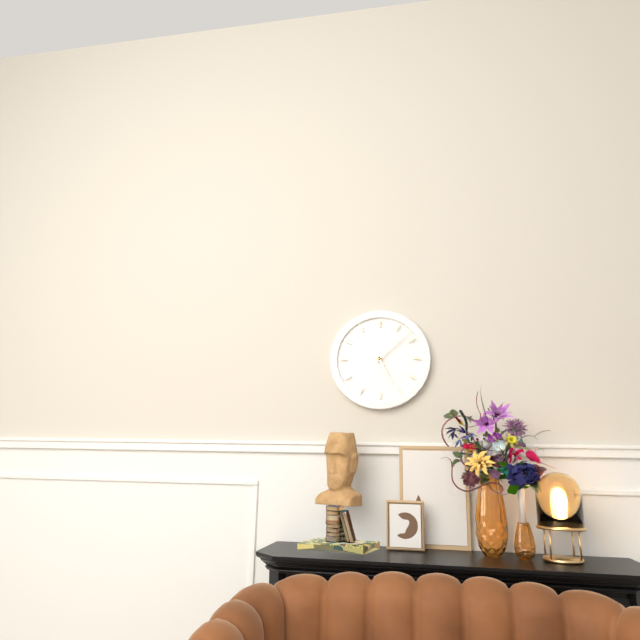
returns 5,08
